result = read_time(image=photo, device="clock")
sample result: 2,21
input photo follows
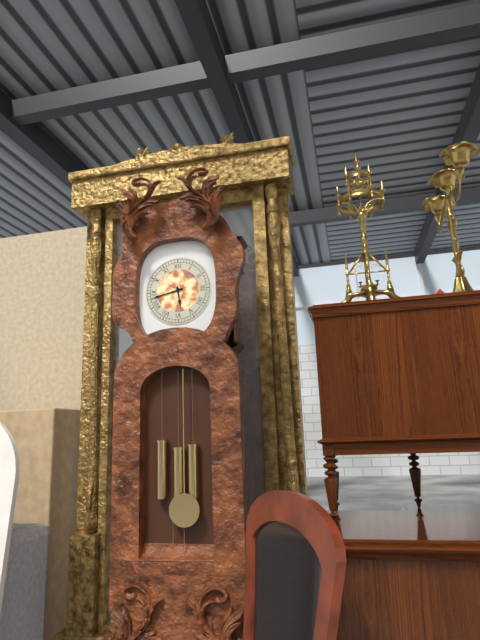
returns 5,43
